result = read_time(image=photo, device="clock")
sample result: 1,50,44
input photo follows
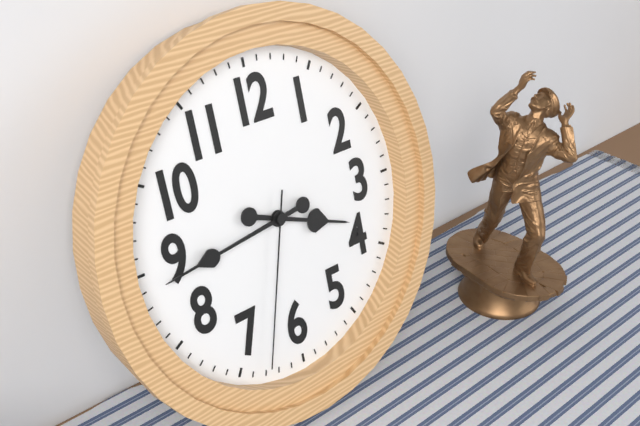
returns 3,44,33
